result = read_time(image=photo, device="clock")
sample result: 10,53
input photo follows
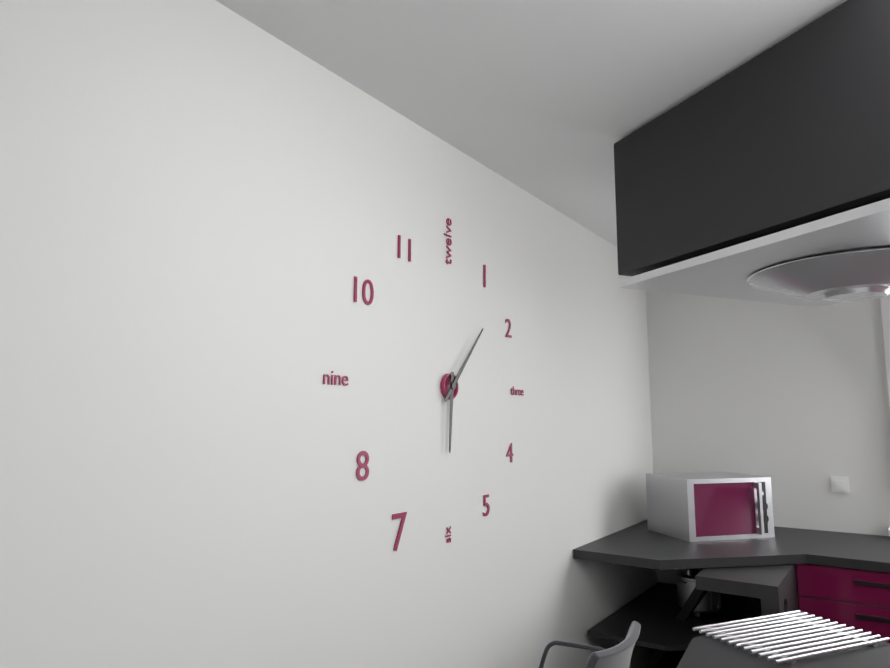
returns 6,07
